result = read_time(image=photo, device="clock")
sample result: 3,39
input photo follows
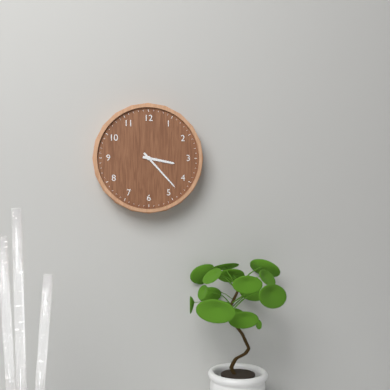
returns 3,23
